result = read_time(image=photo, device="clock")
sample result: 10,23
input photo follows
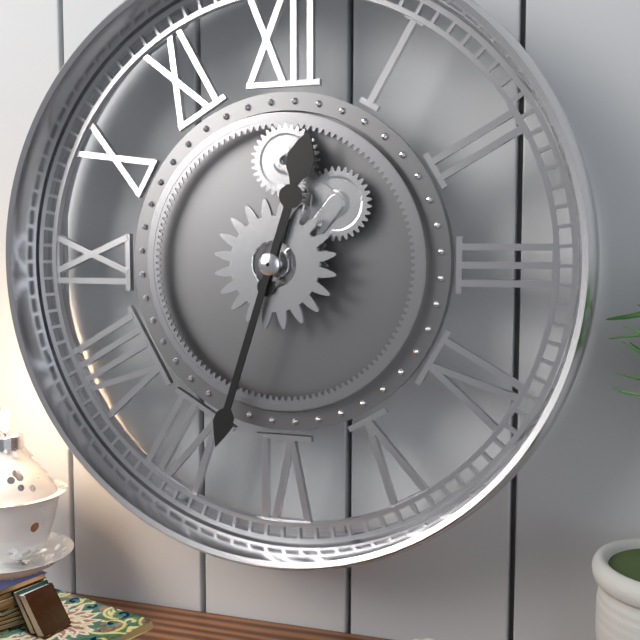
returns 12,33
